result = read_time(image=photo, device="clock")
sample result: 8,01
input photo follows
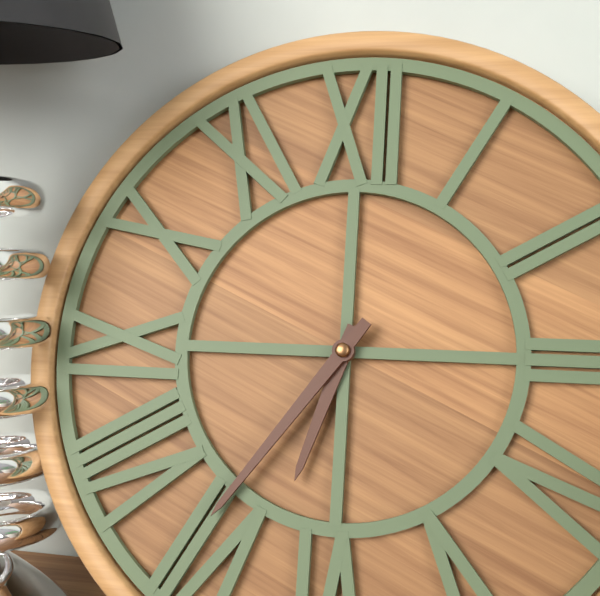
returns 6,36
